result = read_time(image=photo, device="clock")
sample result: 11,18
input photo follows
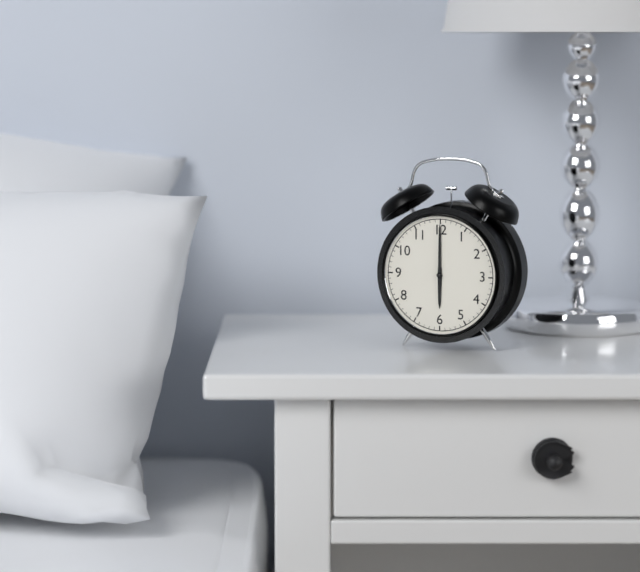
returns 6,00
